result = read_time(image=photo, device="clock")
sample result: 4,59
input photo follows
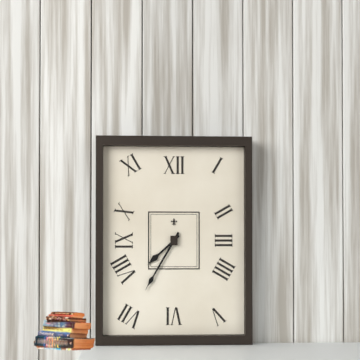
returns 7,35
